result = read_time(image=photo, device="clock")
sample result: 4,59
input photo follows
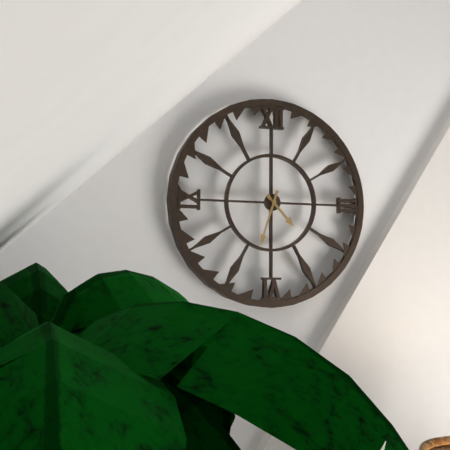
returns 4,33
